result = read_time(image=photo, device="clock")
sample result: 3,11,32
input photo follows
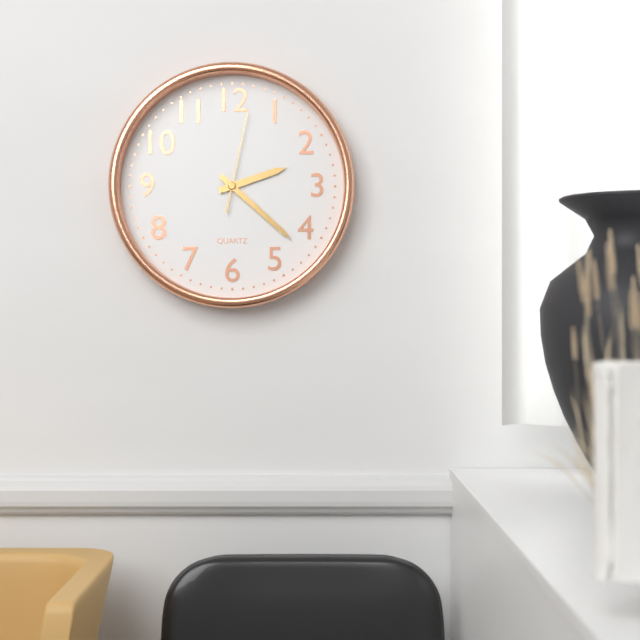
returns 2,22,02
